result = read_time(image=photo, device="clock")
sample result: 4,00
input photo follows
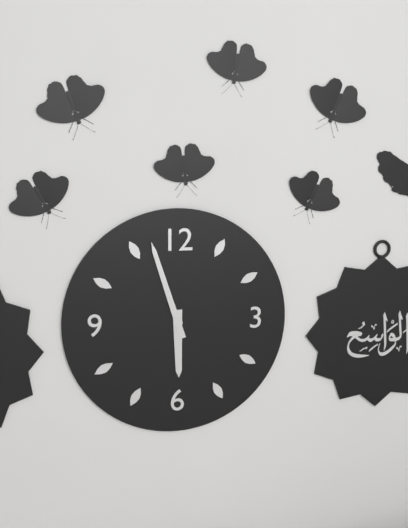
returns 5,57
